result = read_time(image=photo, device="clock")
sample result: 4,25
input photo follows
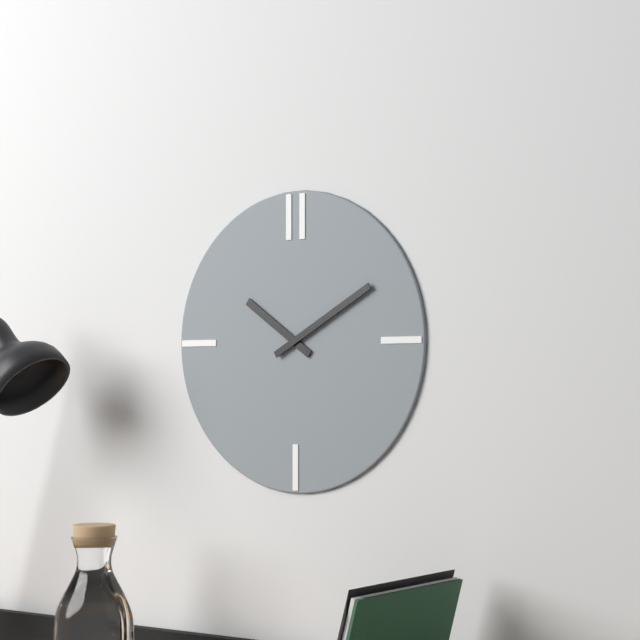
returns 10,10
